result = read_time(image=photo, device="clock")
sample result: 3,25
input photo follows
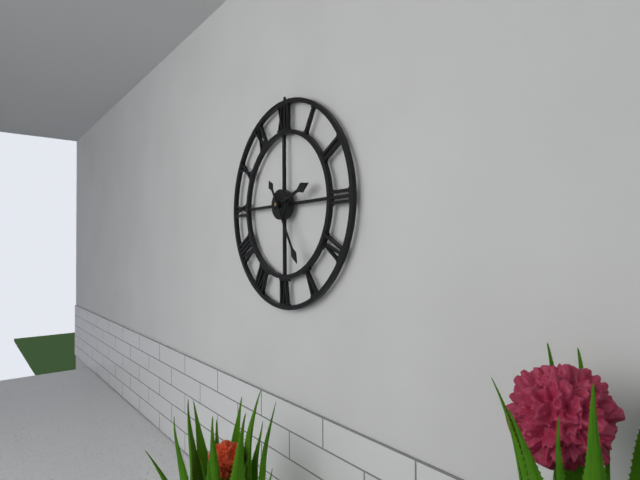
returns 2,25
